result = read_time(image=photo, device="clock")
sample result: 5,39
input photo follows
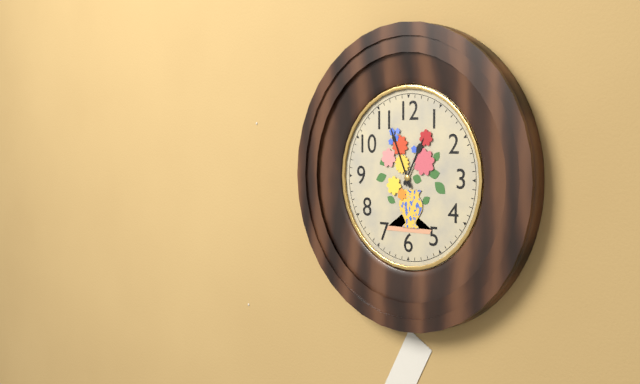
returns 12,56
